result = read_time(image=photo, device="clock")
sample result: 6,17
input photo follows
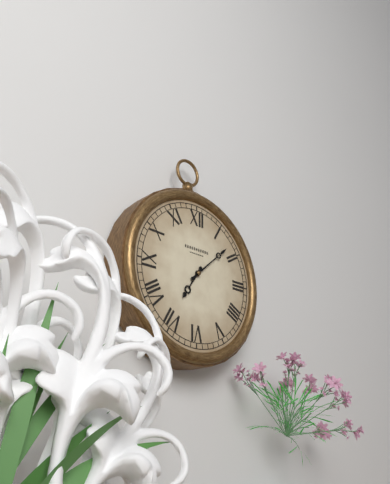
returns 7,08
